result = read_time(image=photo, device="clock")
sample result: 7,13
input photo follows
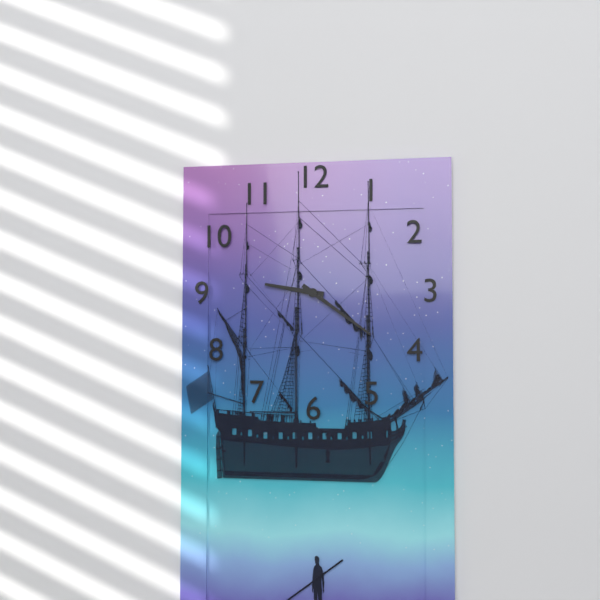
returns 9,21
